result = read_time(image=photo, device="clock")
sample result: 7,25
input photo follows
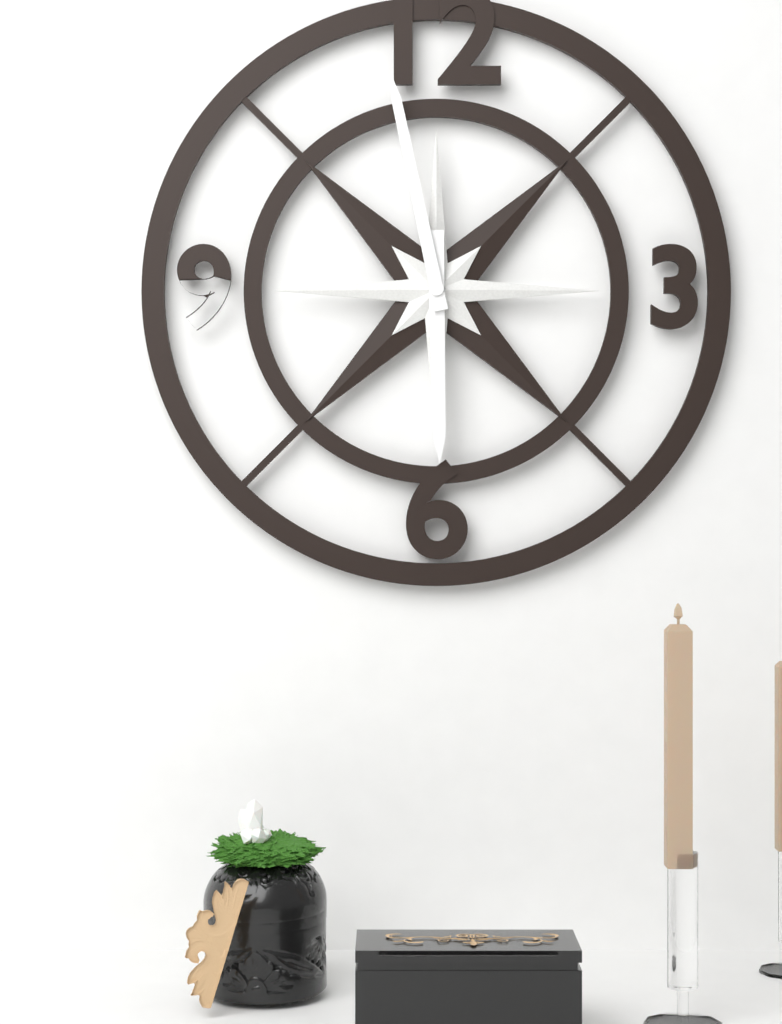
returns 5,58
